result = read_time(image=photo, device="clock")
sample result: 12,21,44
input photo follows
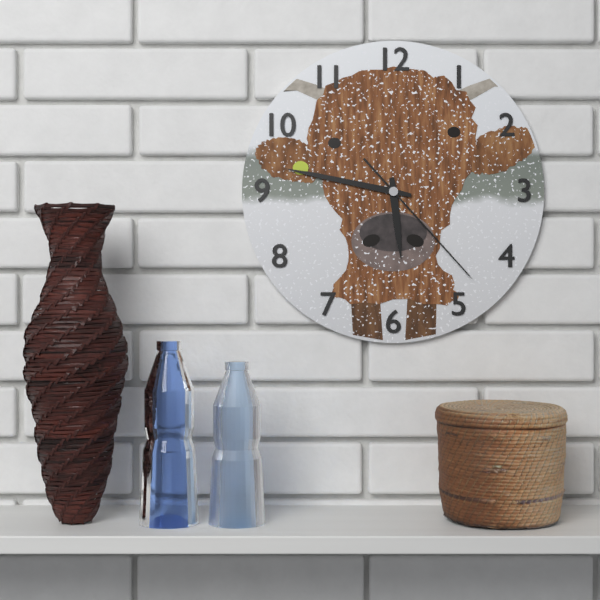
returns 5,47,23
